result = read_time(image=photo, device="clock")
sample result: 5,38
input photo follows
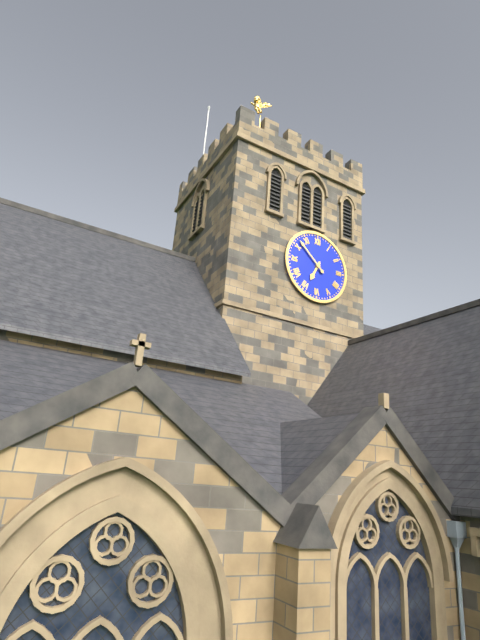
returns 6,52
